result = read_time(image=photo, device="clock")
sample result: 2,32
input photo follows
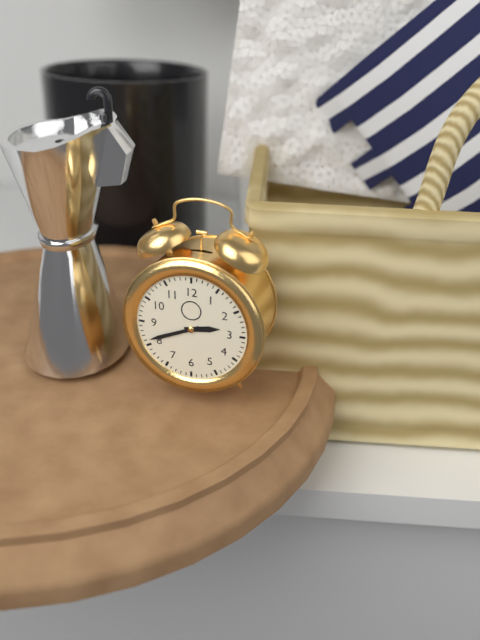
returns 2,41
